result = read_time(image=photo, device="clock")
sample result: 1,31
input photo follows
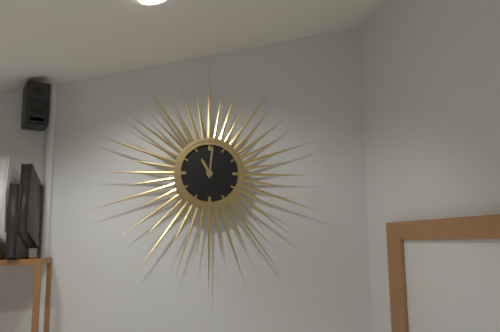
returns 11,01
